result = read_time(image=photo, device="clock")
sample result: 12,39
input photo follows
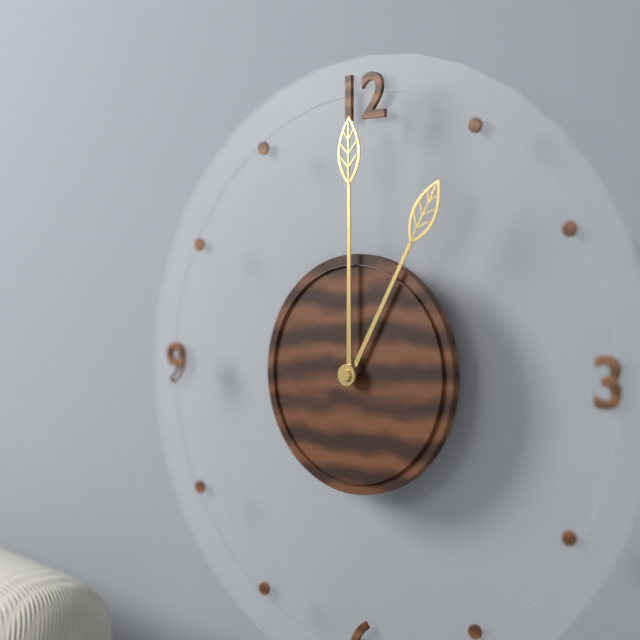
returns 1,00
